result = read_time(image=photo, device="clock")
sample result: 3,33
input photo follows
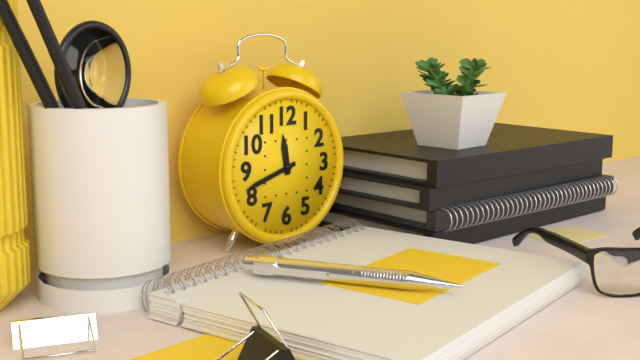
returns 11,42
